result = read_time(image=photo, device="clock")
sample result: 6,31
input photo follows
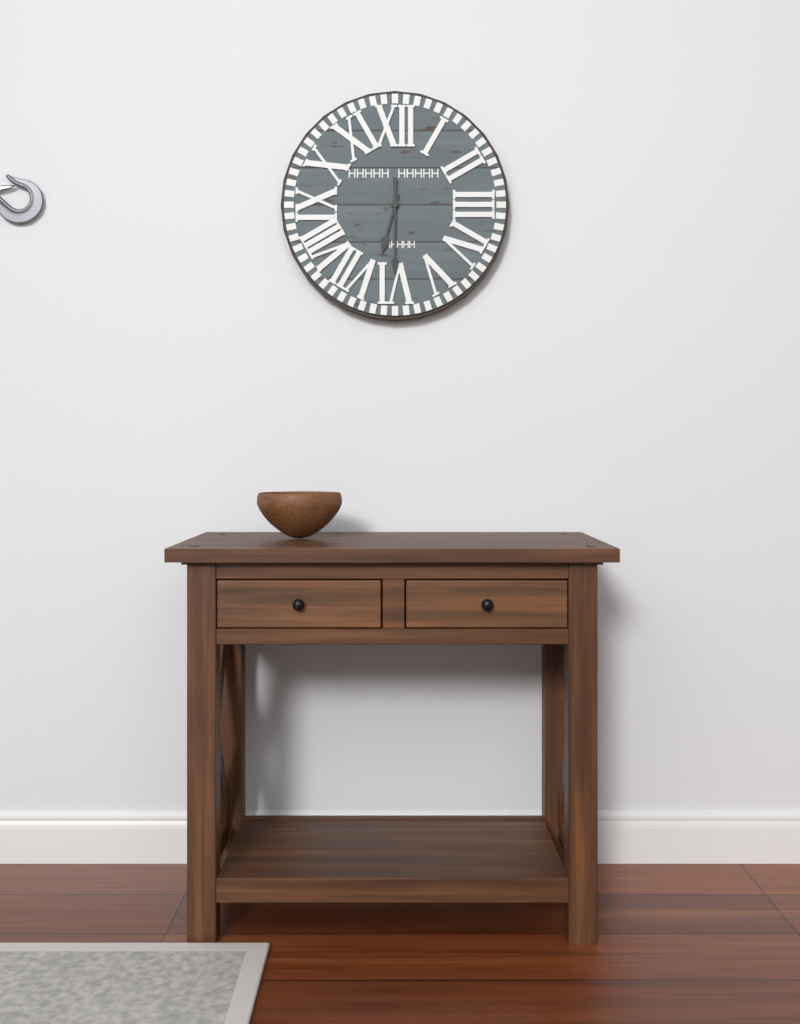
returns 6,30
